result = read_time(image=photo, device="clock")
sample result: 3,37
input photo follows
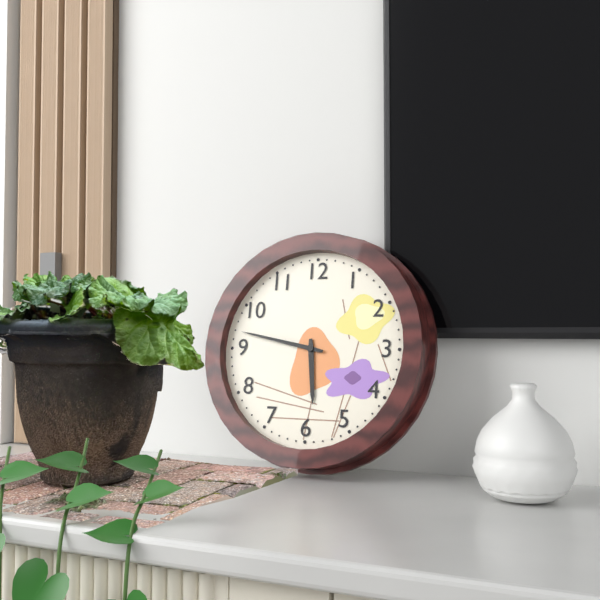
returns 5,47
